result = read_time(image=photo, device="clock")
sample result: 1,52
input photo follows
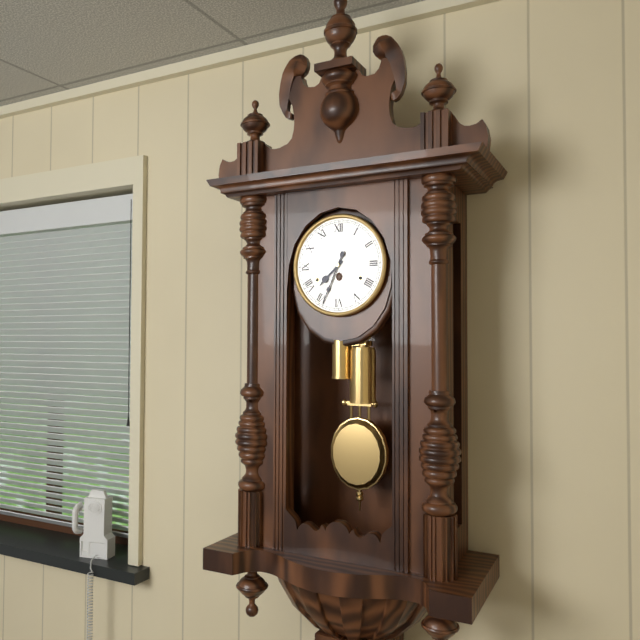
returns 7,34
